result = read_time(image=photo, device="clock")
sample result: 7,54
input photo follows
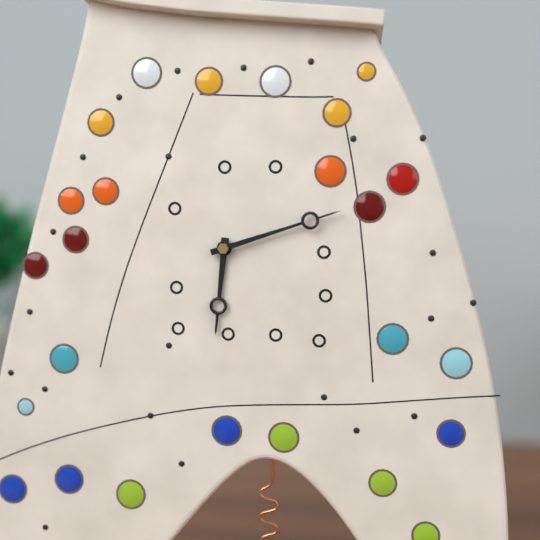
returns 6,12
